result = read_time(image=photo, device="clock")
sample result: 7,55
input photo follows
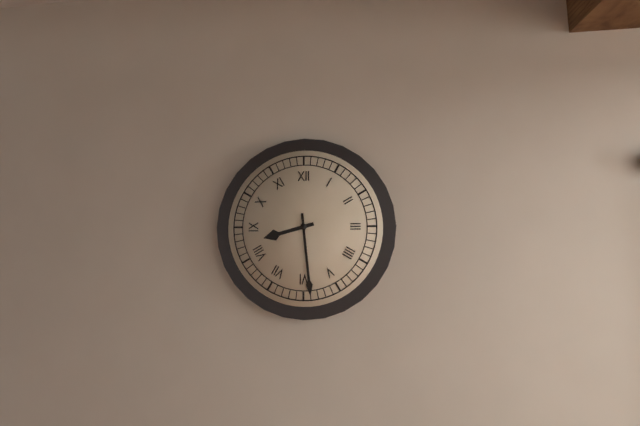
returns 8,29
